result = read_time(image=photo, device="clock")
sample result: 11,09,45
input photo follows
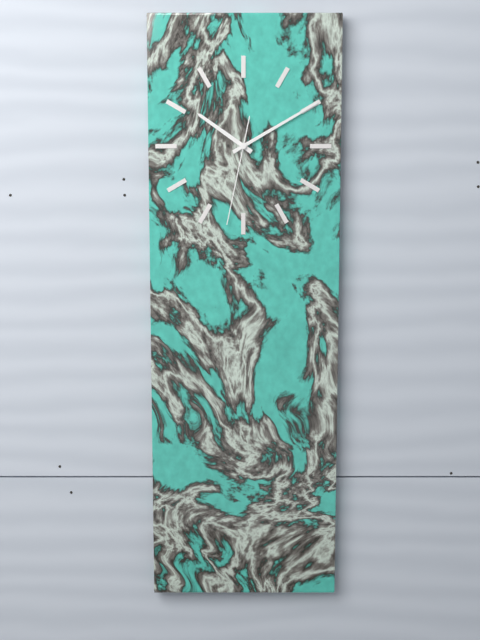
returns 10,10,32
